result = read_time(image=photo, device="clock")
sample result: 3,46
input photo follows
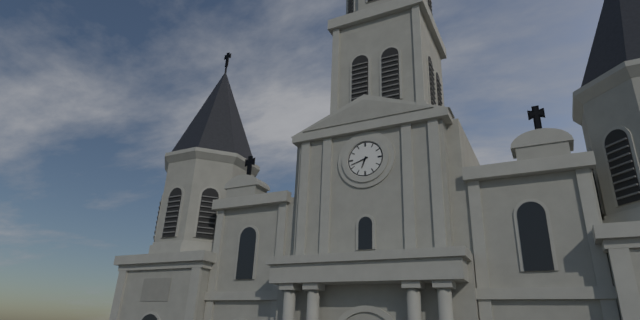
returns 6,42
